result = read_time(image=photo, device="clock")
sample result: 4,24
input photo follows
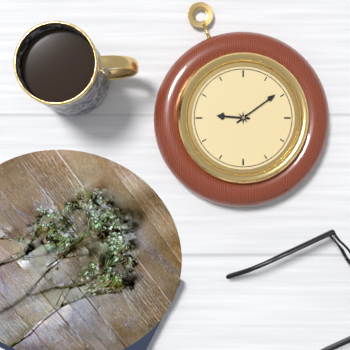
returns 9,09
